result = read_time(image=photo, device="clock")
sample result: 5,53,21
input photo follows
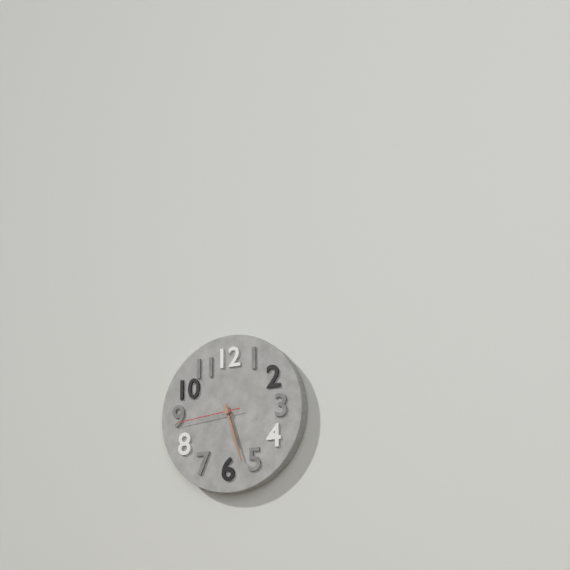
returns 5,27,44
